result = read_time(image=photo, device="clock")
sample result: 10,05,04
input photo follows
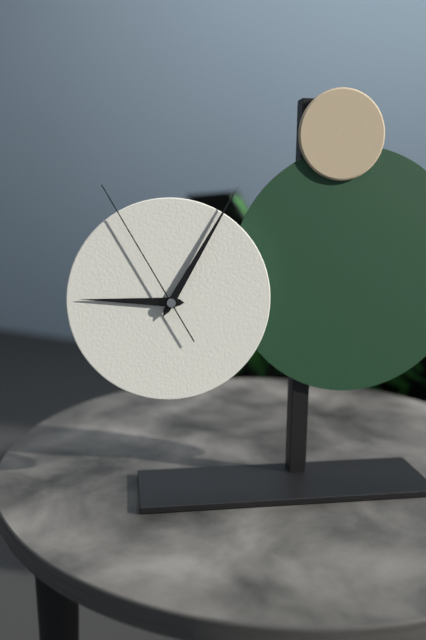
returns 9,05,55
